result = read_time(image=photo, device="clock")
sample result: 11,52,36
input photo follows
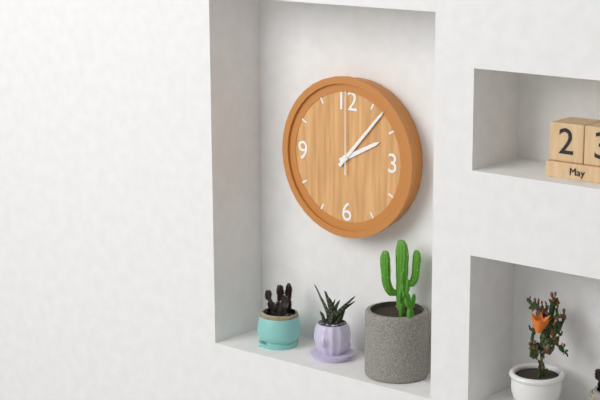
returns 2,07,00
